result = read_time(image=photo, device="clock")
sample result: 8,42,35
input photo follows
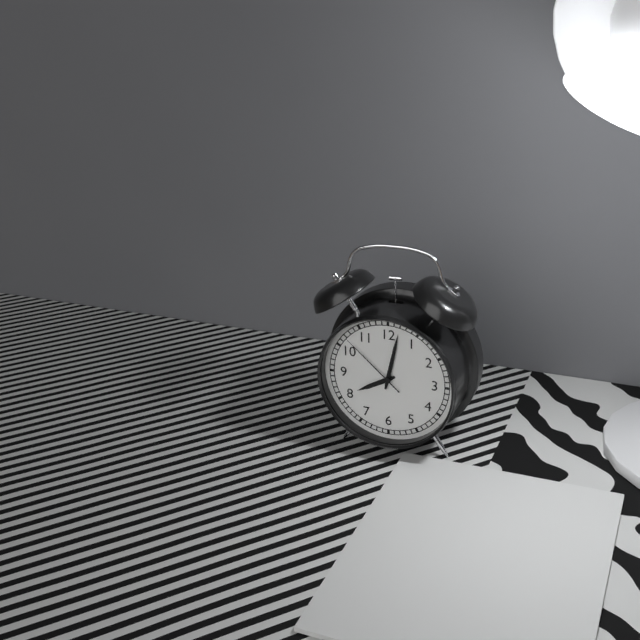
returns 8,02,52
